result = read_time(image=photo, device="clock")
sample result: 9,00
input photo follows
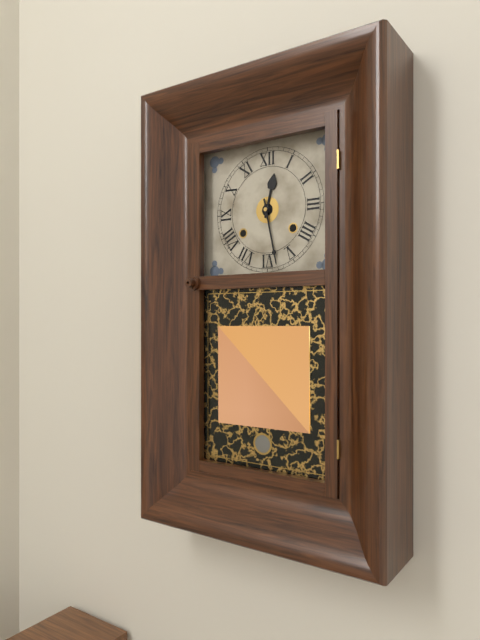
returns 12,28
